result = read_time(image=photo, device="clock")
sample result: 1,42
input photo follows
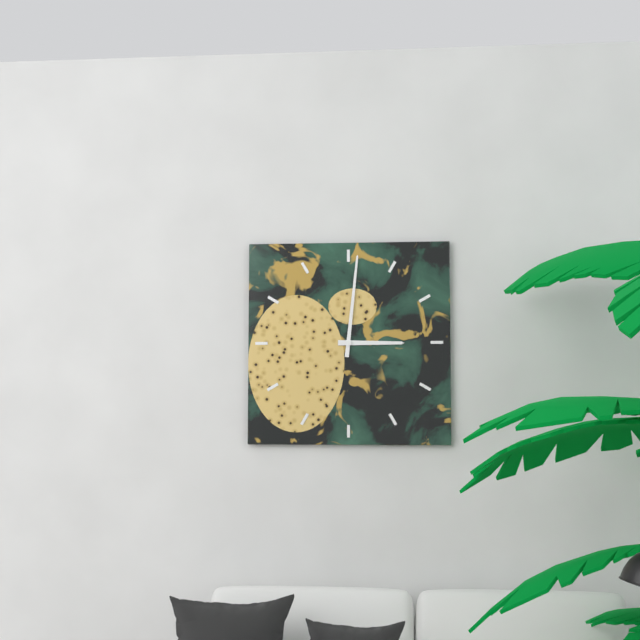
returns 3,01
